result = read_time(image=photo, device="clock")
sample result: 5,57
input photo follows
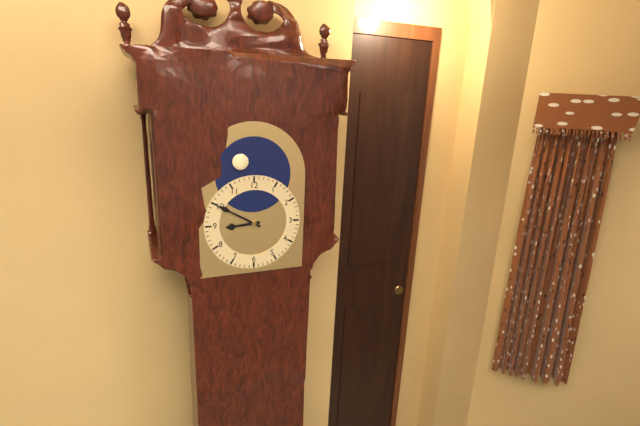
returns 8,50
